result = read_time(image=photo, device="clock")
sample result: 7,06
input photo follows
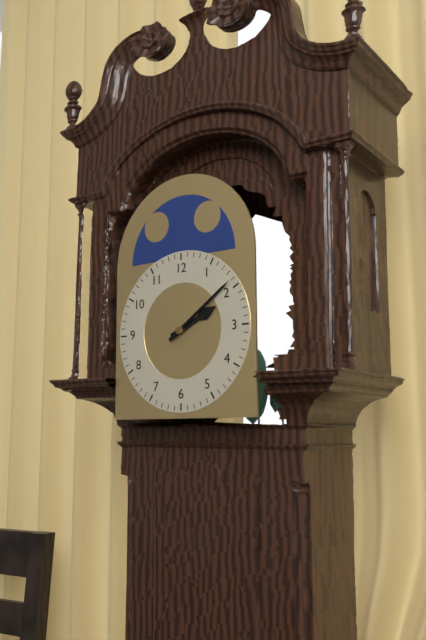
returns 2,09
